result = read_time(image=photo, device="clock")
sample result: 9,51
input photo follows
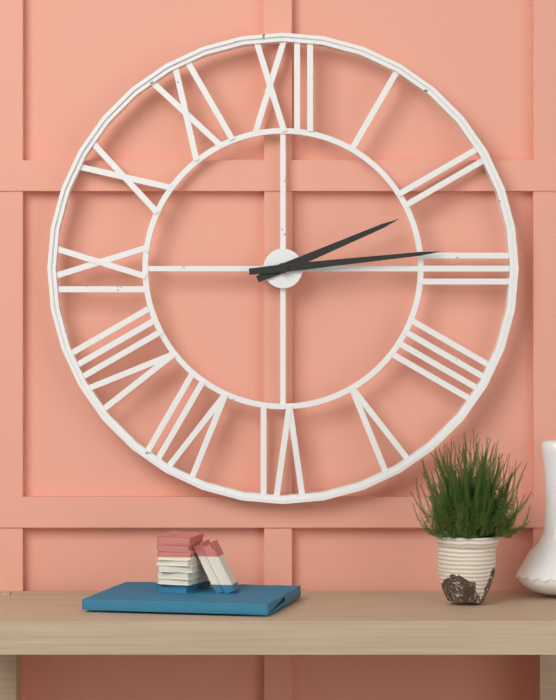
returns 2,14
